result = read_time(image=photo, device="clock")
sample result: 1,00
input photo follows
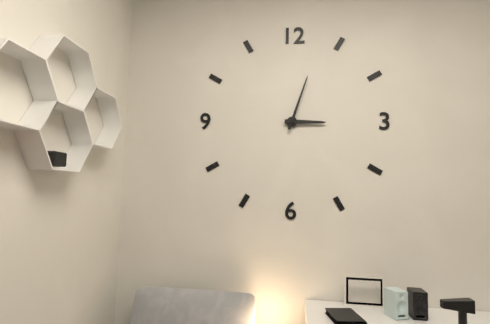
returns 3,03
